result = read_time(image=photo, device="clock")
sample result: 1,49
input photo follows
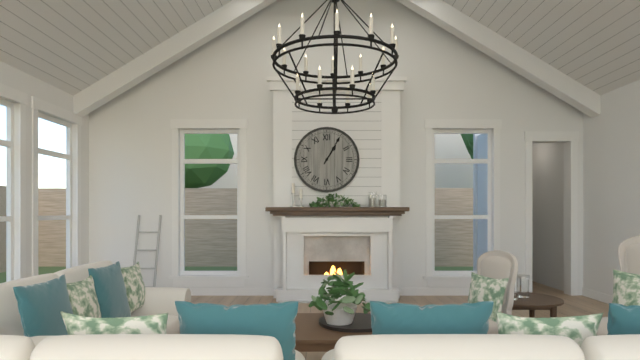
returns 1,05
